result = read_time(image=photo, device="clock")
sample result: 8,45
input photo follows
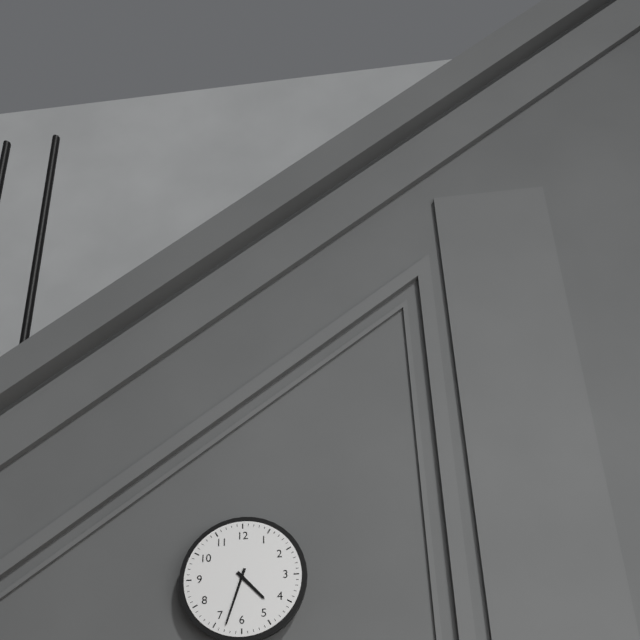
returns 4,33
